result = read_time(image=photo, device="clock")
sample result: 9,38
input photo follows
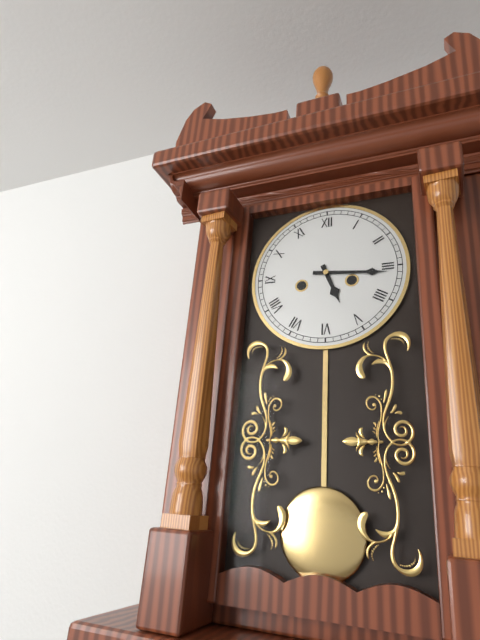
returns 5,16
